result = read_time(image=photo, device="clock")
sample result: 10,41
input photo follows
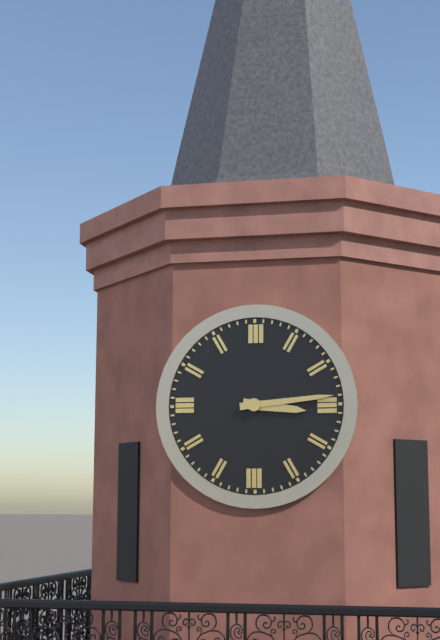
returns 3,14
